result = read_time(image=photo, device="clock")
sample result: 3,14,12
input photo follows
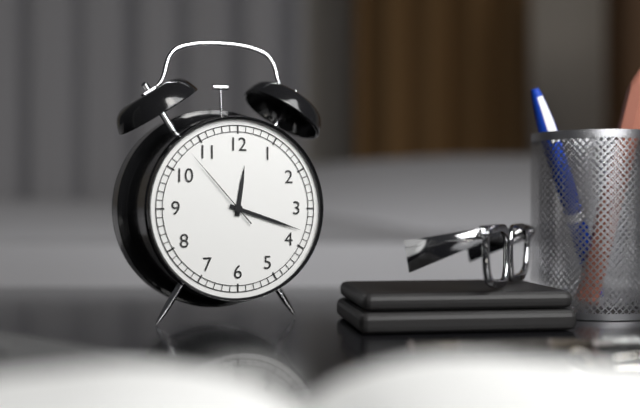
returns 12,18,53
